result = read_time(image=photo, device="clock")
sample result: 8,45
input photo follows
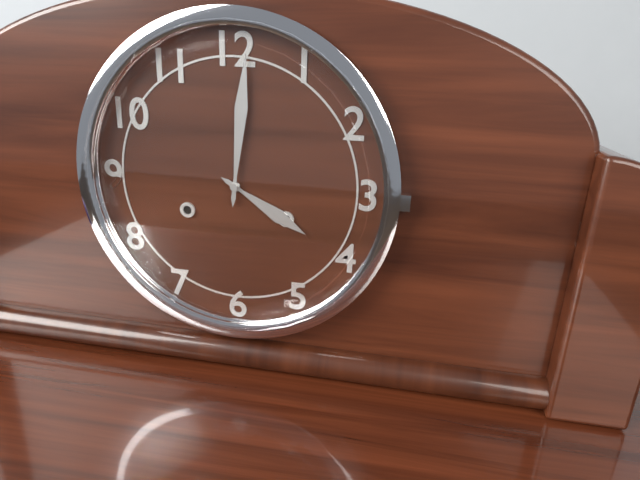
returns 4,01
